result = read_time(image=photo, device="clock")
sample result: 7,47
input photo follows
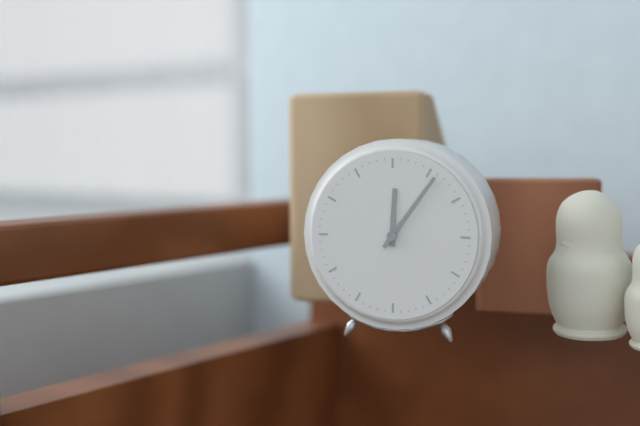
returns 12,06
